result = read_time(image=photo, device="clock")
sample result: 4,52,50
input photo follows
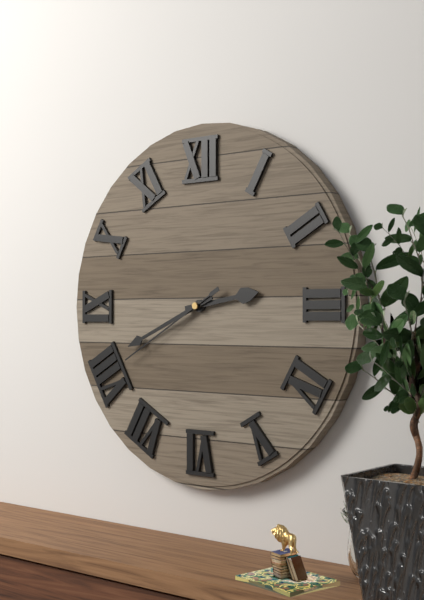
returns 2,41,40
